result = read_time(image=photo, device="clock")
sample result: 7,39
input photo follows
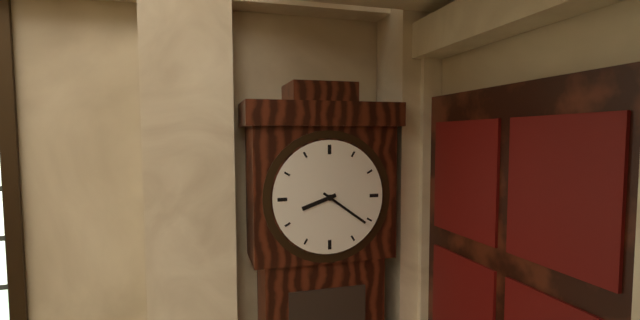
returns 8,21
